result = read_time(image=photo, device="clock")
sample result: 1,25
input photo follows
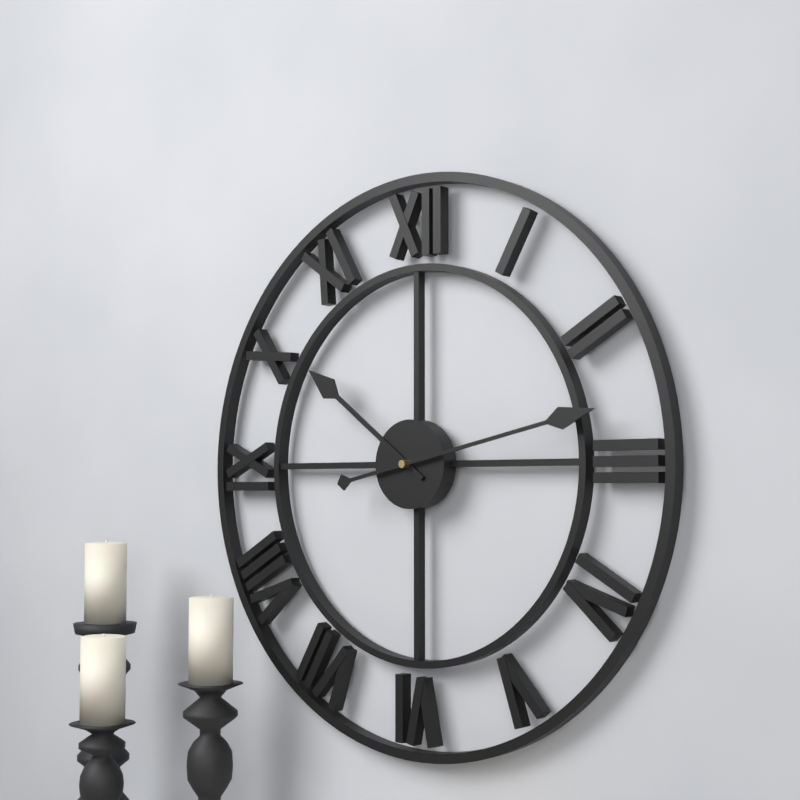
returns 10,13
